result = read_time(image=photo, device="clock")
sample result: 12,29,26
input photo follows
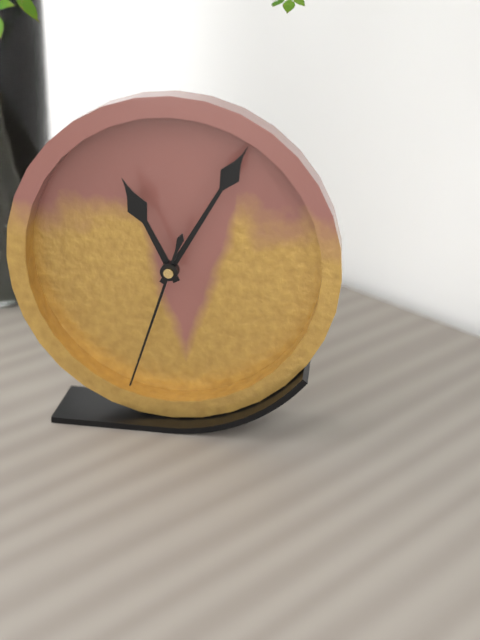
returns 11,05,33
